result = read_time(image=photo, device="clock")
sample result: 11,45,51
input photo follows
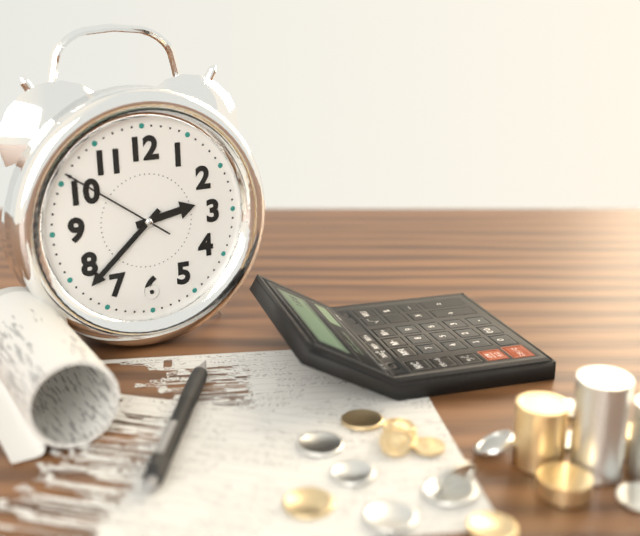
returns 2,38,51
